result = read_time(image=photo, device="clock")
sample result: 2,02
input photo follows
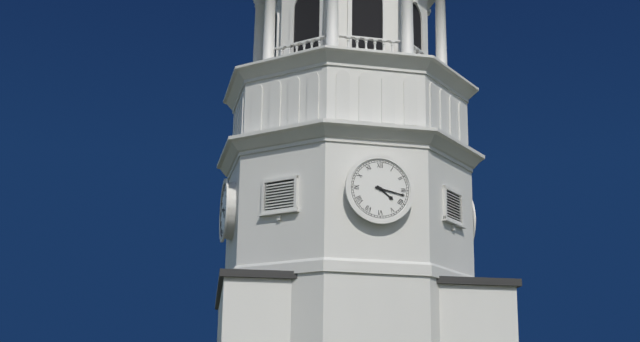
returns 4,17
